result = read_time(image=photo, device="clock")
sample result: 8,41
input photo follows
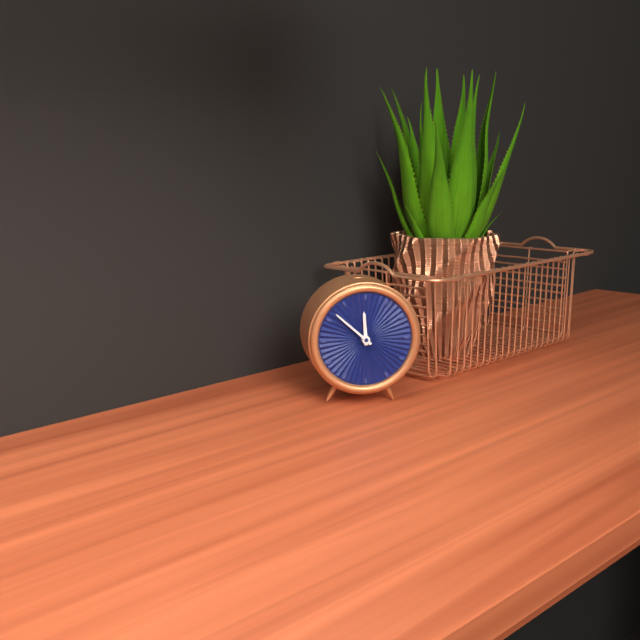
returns 11,52
